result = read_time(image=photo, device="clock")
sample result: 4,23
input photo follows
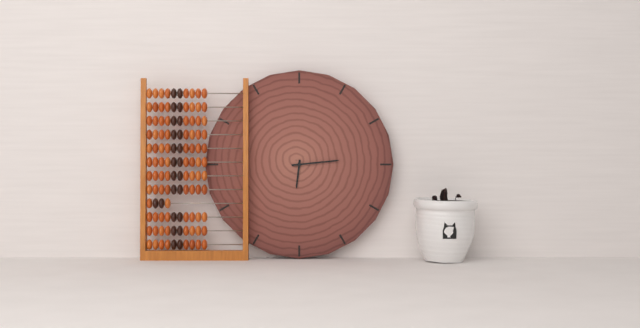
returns 6,14
